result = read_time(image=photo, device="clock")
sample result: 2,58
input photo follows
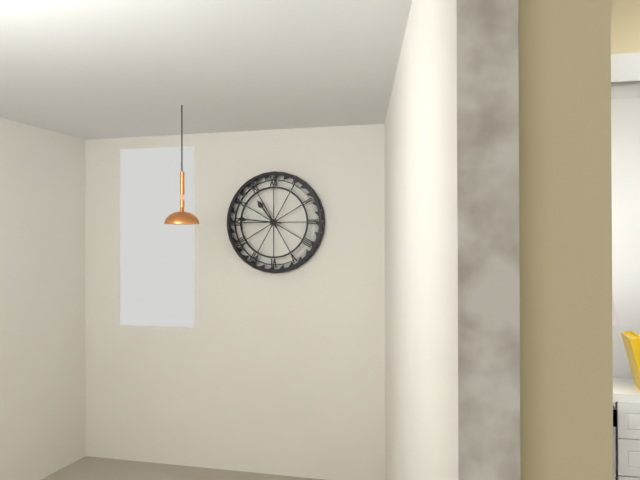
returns 10,46
